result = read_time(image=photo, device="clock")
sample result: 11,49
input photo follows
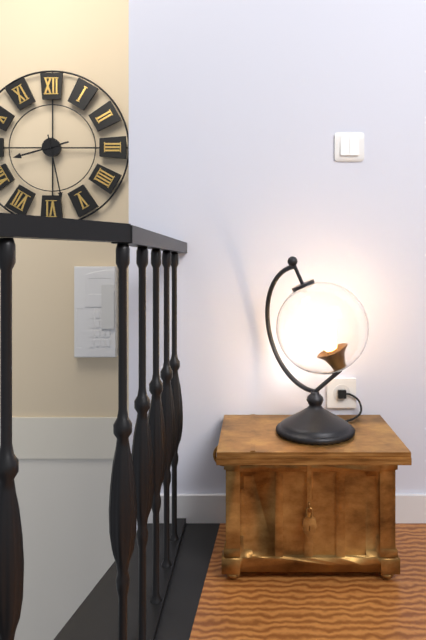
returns 8,28
